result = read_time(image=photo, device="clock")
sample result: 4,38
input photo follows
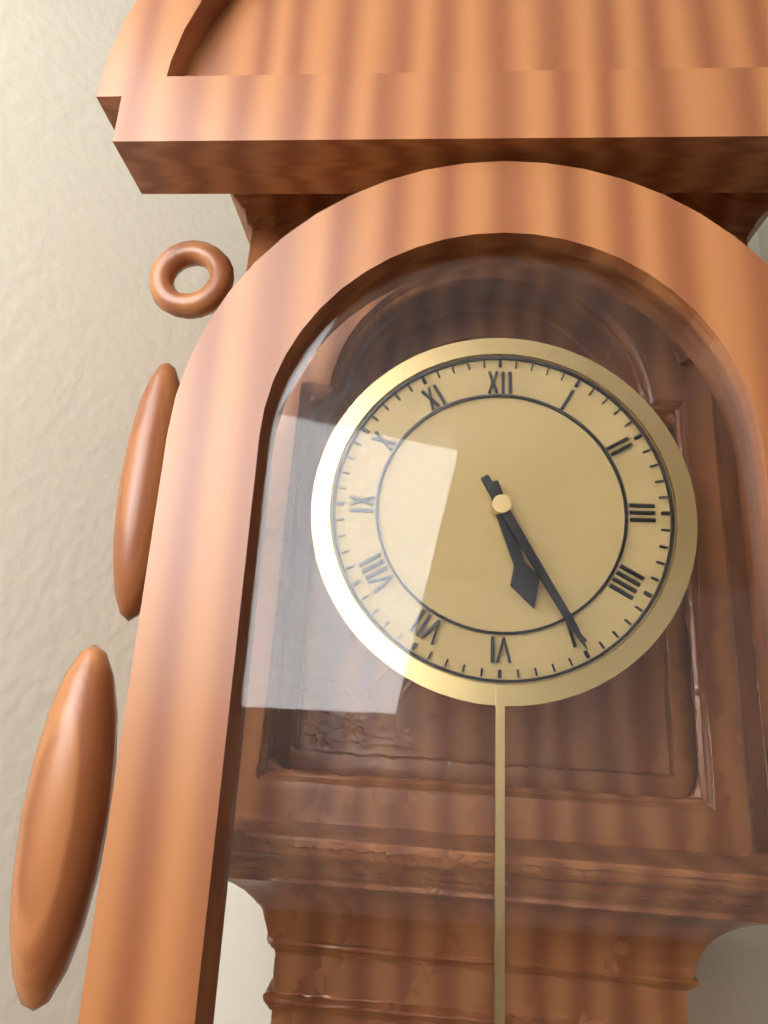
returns 5,25
